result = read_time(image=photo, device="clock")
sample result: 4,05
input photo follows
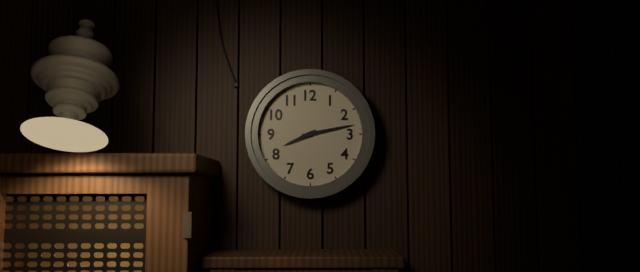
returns 8,13
